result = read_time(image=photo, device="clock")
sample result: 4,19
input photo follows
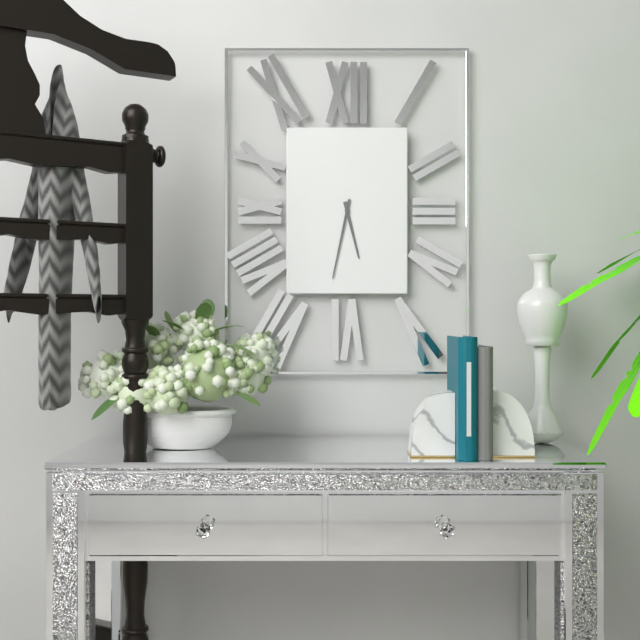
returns 5,32
